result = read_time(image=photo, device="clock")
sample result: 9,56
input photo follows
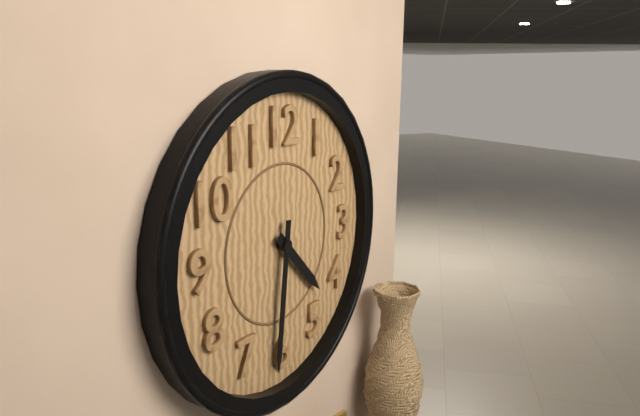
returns 4,31
